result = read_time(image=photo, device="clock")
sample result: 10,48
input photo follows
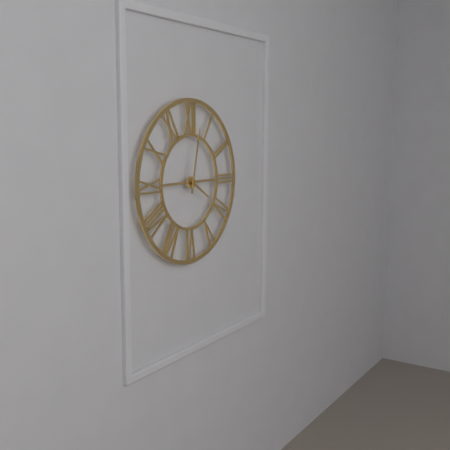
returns 4,02
